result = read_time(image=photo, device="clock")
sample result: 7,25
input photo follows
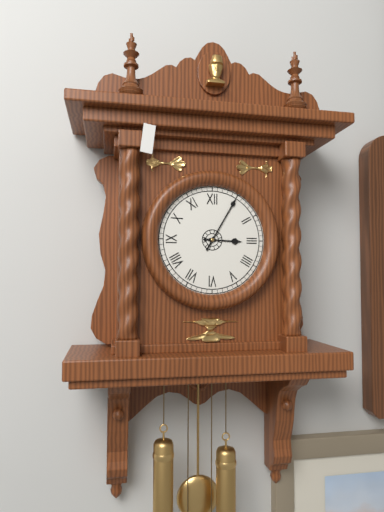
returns 3,05
